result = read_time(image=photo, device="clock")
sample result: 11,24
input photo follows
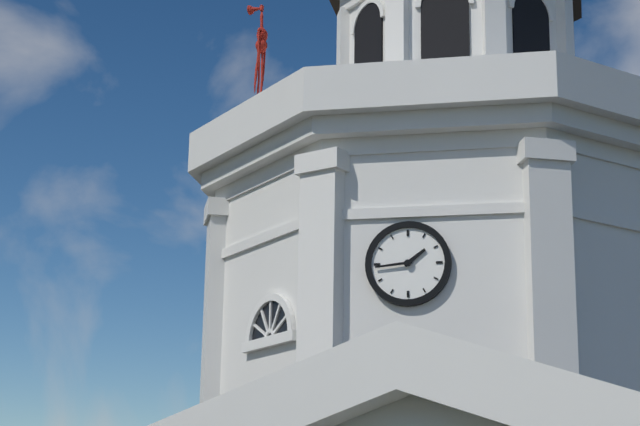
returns 1,44
